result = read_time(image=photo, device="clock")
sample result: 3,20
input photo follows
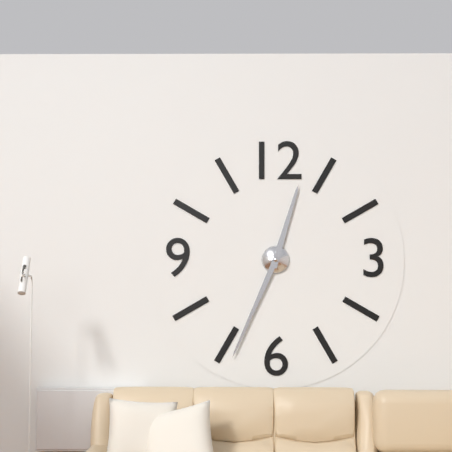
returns 12,34
